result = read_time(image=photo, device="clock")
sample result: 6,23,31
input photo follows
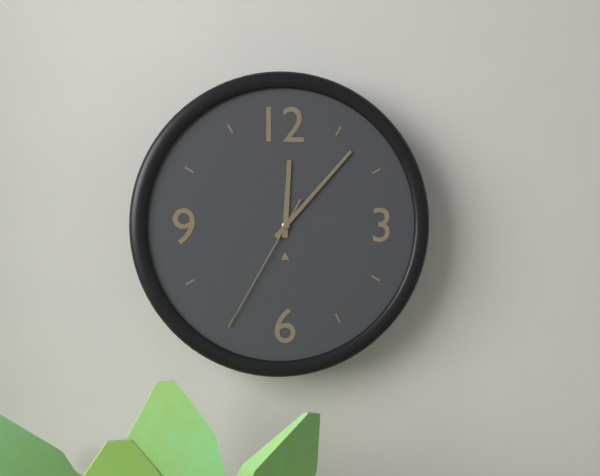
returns 12,07,35
